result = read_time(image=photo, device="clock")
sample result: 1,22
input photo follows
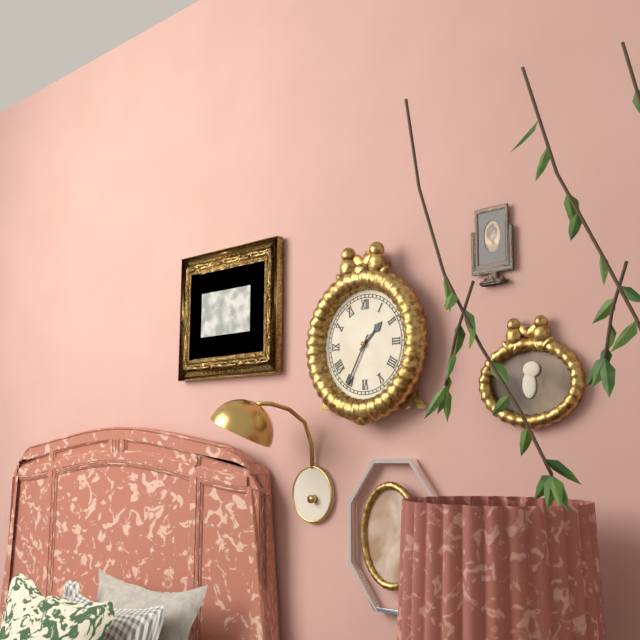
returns 1,35
